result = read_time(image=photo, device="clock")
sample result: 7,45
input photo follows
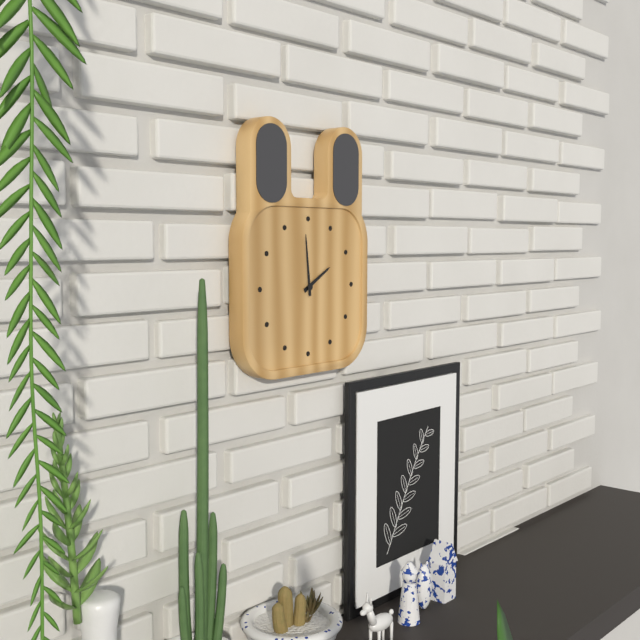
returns 1,59
